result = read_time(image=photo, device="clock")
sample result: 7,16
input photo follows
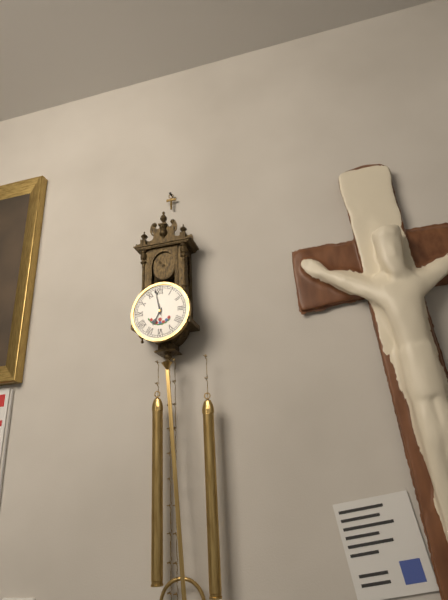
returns 6,58
